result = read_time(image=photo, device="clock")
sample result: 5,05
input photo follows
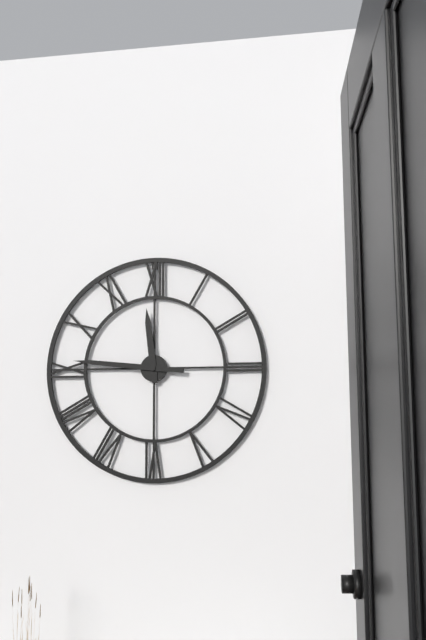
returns 11,46
